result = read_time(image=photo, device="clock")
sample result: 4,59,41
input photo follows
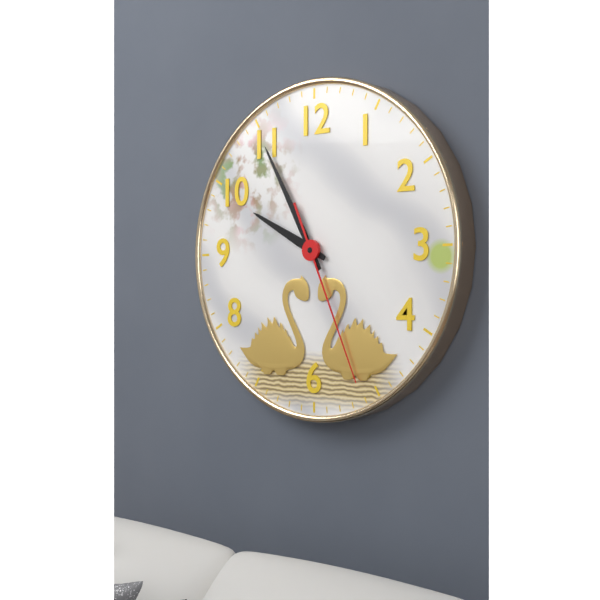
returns 9,55,26
